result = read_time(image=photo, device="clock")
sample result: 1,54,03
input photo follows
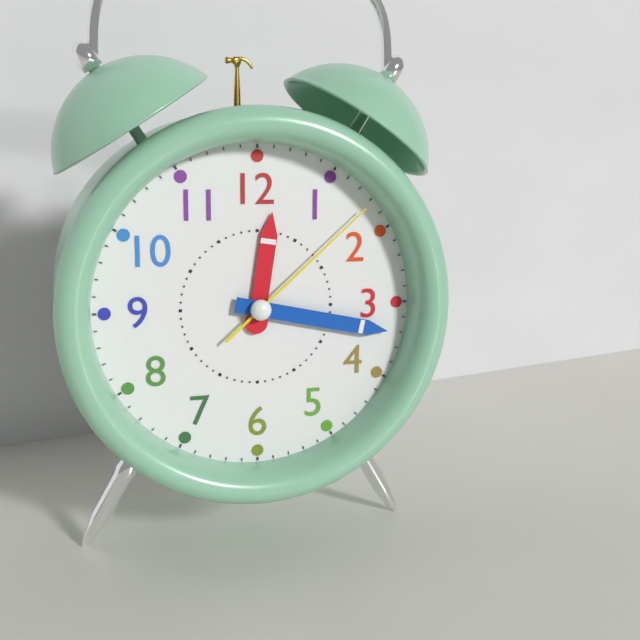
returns 12,17,08
